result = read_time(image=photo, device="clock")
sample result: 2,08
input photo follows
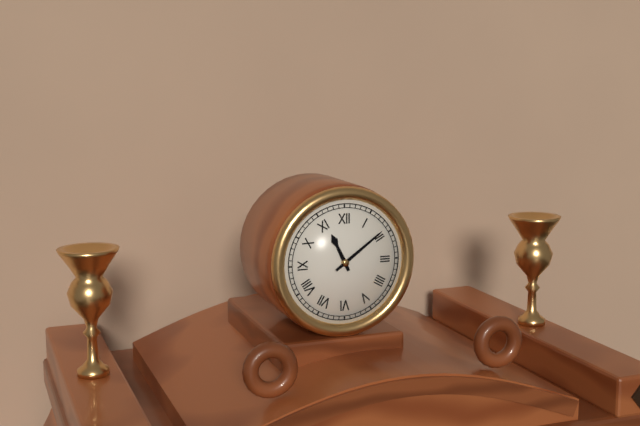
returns 11,09
